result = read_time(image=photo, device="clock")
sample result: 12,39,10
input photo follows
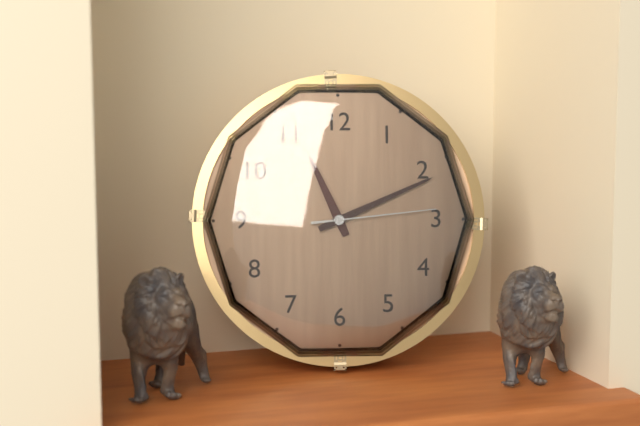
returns 11,11,14
